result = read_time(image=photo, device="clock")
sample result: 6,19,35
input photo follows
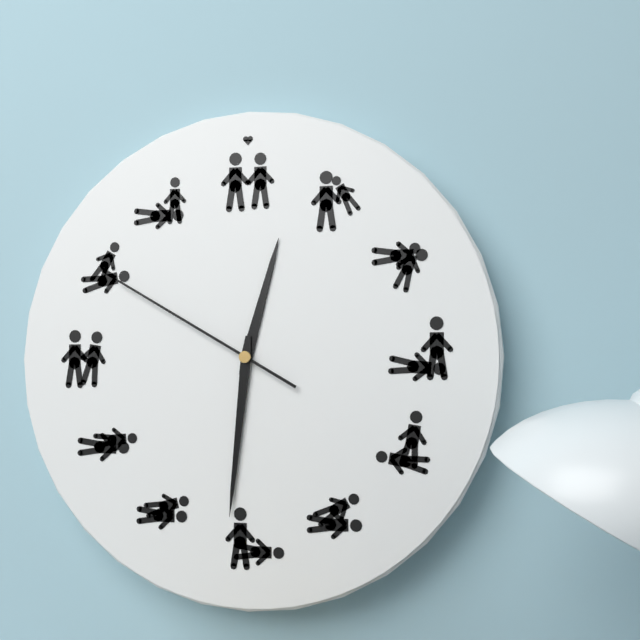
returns 12,31,50
